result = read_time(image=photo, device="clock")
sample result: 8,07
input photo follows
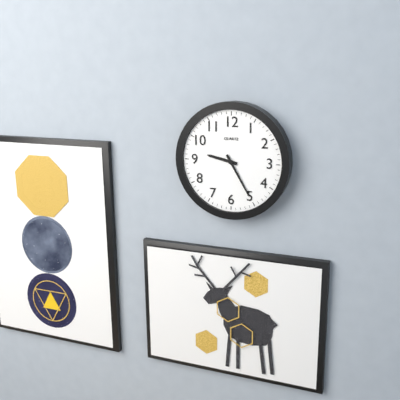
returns 9,25
